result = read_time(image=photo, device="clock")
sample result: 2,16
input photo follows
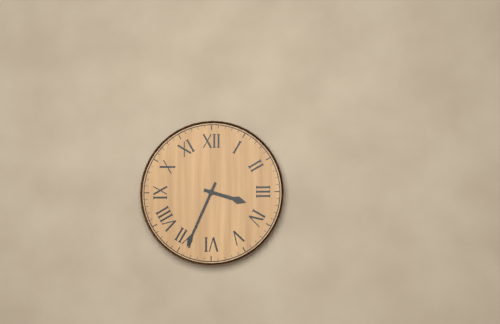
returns 3,34
